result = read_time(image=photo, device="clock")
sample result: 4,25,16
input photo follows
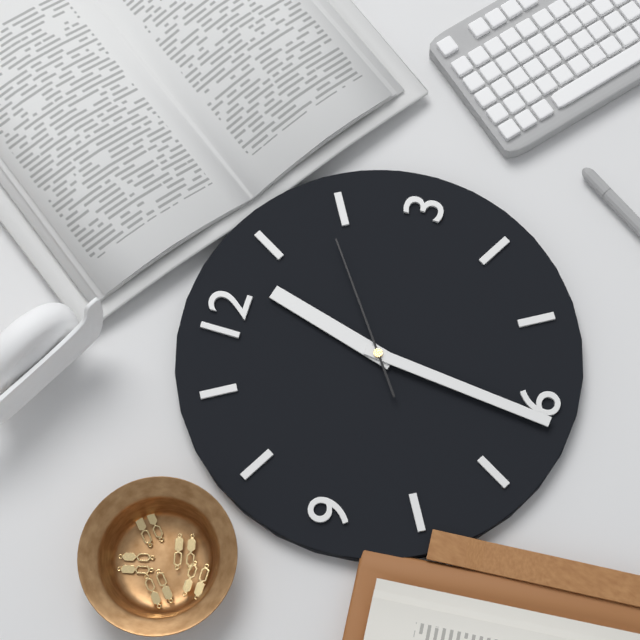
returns 12,31,09
